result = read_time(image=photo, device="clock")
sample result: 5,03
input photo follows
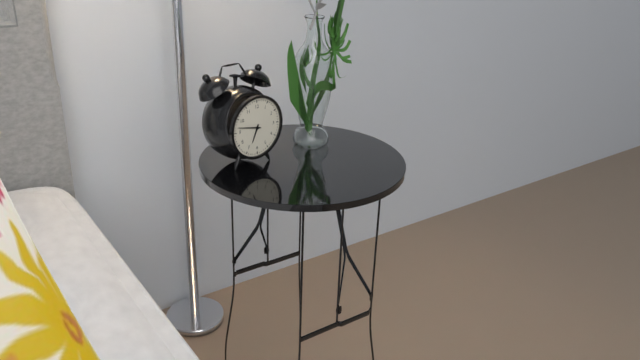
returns 6,47
